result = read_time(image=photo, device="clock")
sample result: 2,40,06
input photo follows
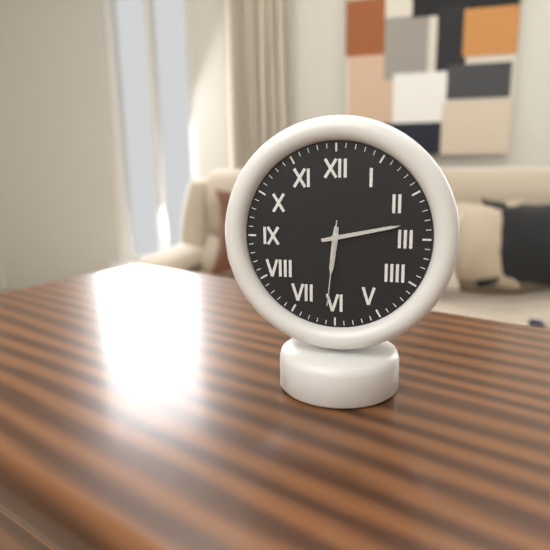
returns 6,13,31
